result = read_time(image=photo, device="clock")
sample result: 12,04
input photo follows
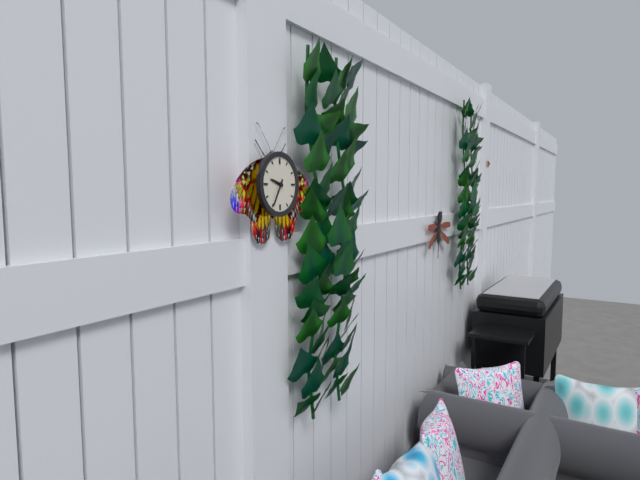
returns 9,35
